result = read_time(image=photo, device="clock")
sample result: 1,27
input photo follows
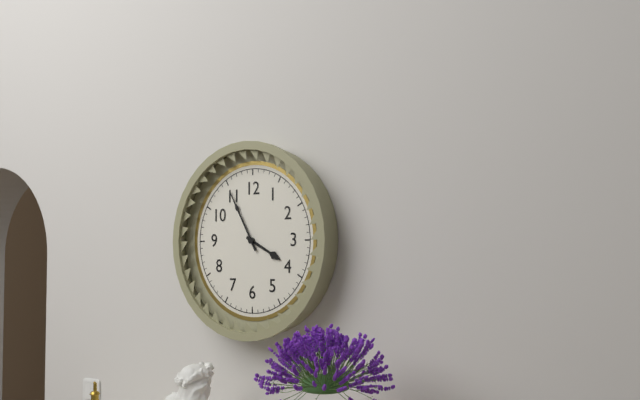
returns 3,55
